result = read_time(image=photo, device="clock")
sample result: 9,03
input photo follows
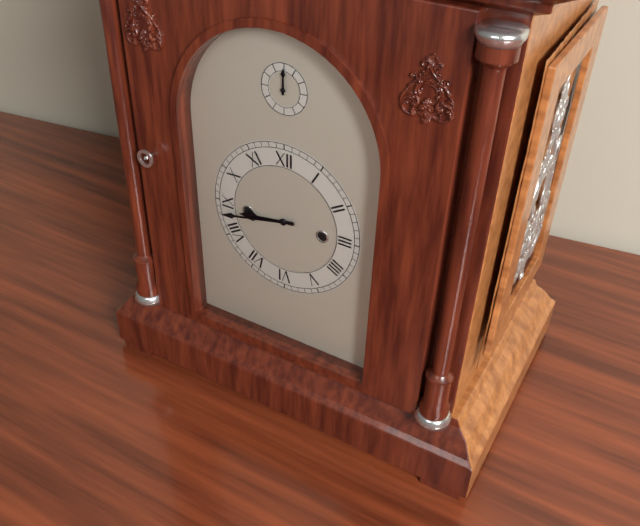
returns 8,43
